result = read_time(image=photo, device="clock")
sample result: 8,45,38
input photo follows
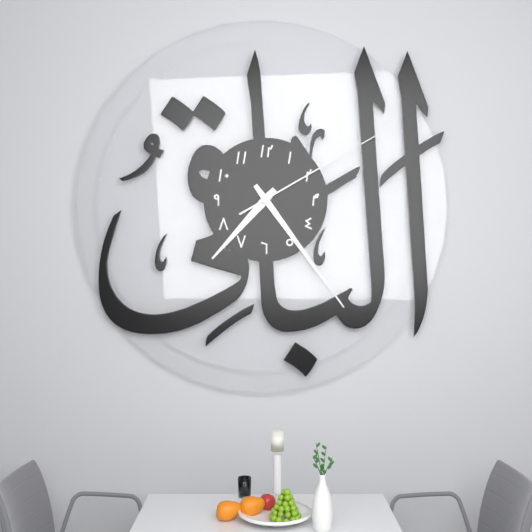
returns 7,24,10
